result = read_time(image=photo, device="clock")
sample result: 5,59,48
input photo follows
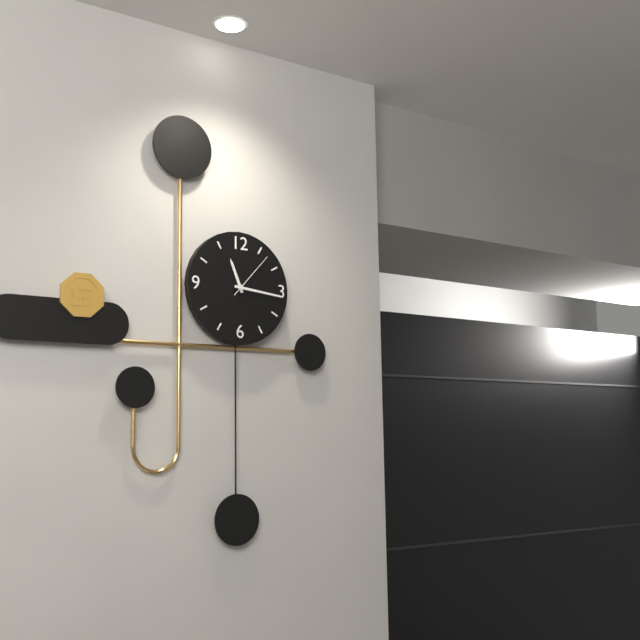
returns 11,16,07
